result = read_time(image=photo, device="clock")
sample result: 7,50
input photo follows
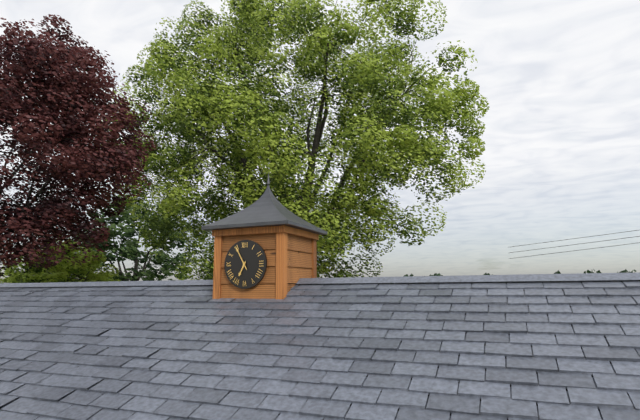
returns 6,55
